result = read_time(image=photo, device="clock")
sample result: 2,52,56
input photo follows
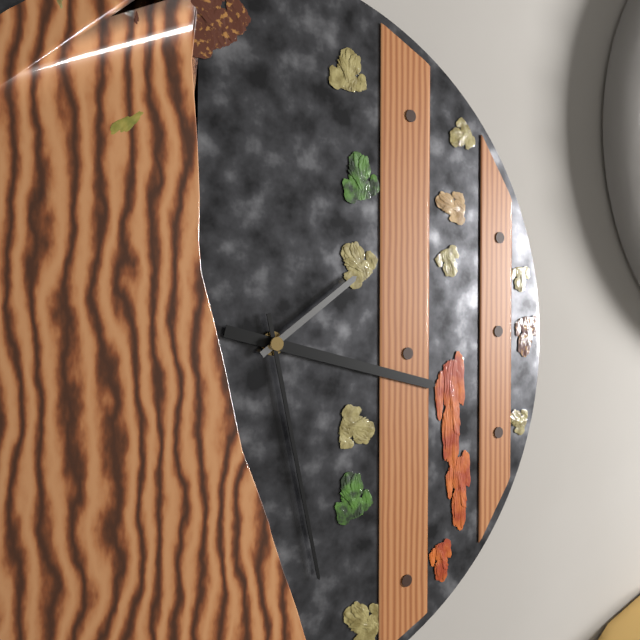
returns 3,28,09
